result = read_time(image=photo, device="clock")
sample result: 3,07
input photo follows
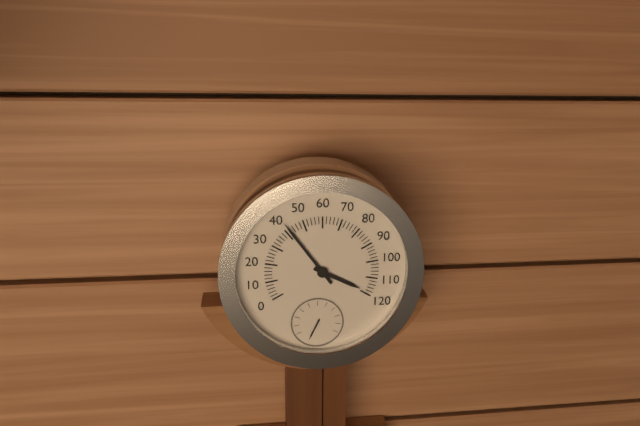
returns 3,54
